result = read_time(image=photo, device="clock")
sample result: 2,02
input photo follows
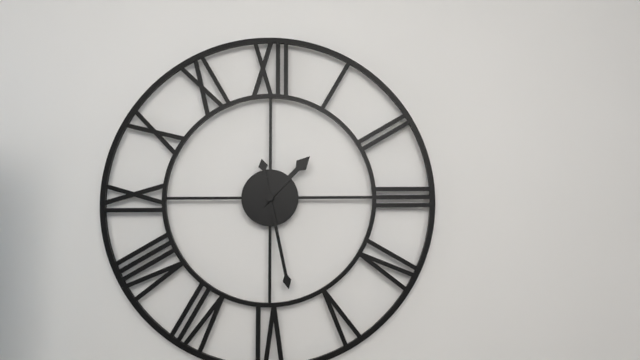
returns 1,28
